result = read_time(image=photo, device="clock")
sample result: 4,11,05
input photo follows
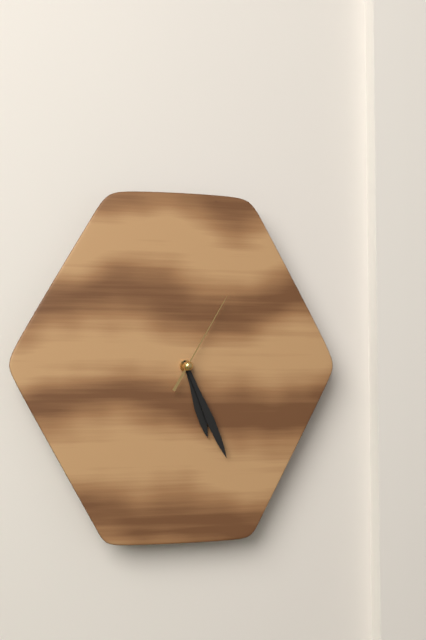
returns 5,26,05
